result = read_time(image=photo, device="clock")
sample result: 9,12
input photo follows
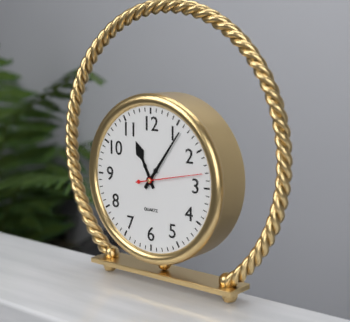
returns 11,06
